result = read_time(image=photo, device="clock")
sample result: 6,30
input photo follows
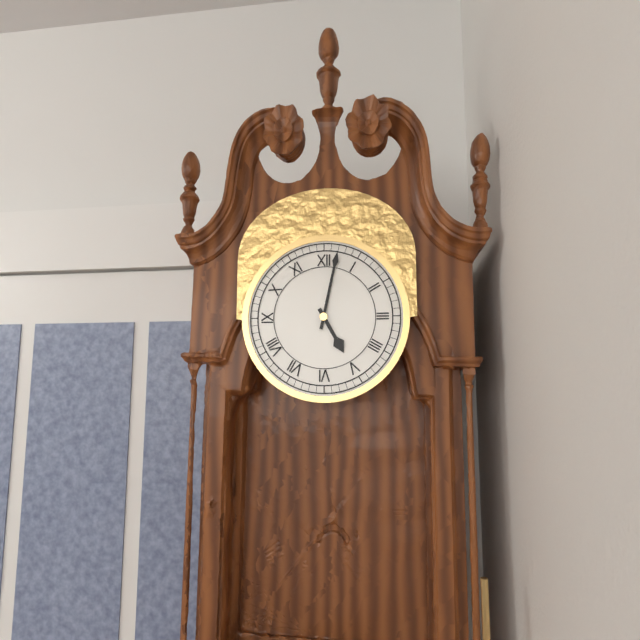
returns 5,02
